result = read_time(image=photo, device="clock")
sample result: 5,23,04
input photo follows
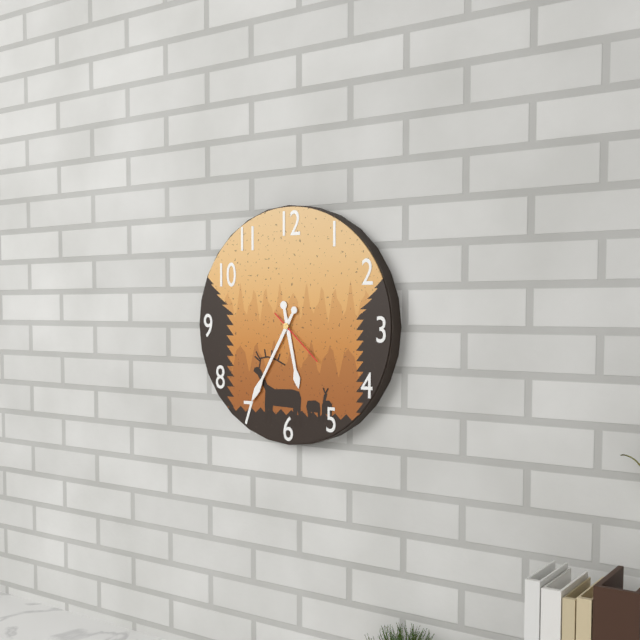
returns 5,35,22
